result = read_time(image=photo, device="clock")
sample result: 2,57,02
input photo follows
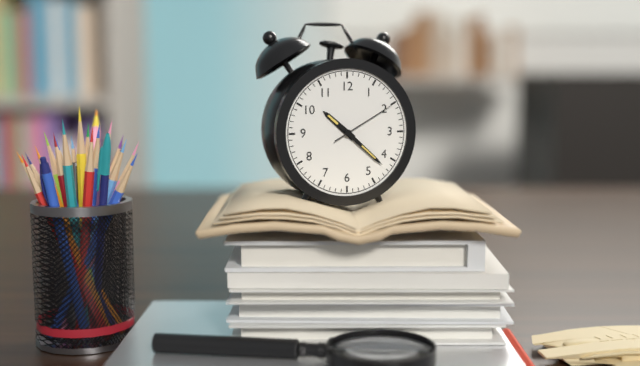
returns 10,22,10
